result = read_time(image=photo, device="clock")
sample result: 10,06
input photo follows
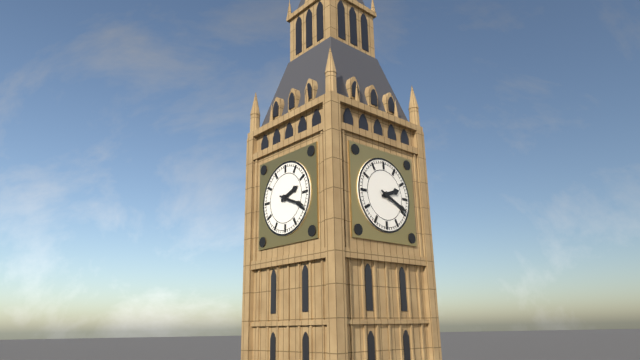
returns 2,19
